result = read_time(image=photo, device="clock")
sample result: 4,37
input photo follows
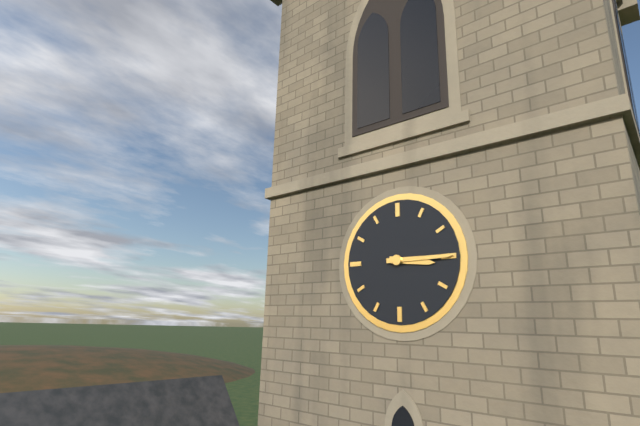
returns 3,15
